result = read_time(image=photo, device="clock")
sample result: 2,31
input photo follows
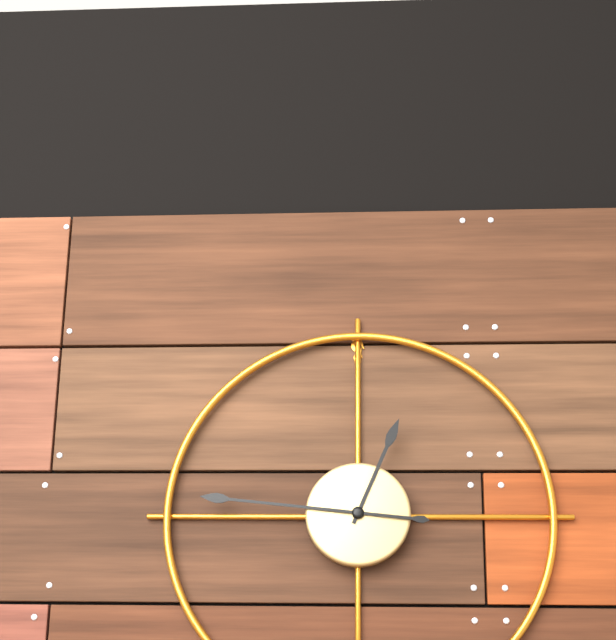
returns 12,46
